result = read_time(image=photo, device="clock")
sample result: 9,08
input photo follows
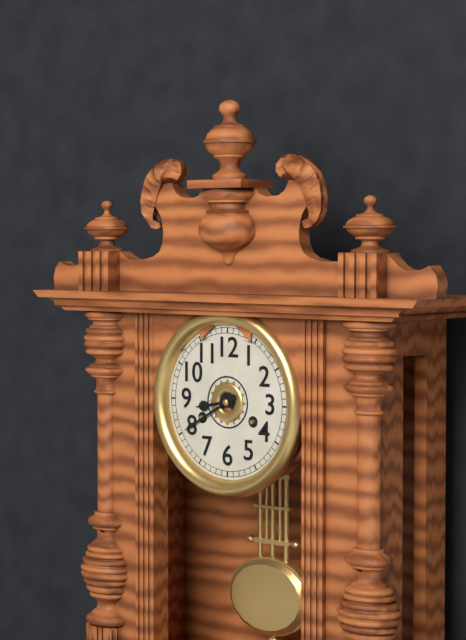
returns 8,40
